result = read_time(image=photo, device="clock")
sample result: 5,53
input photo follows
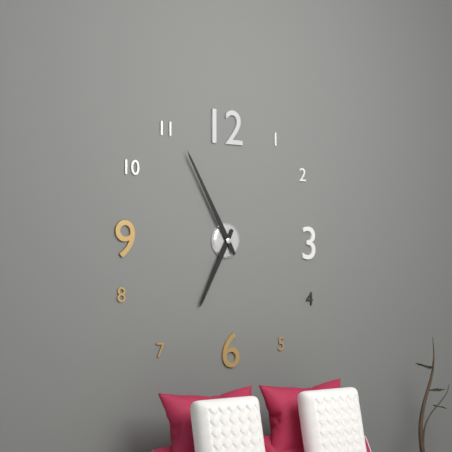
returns 6,55
